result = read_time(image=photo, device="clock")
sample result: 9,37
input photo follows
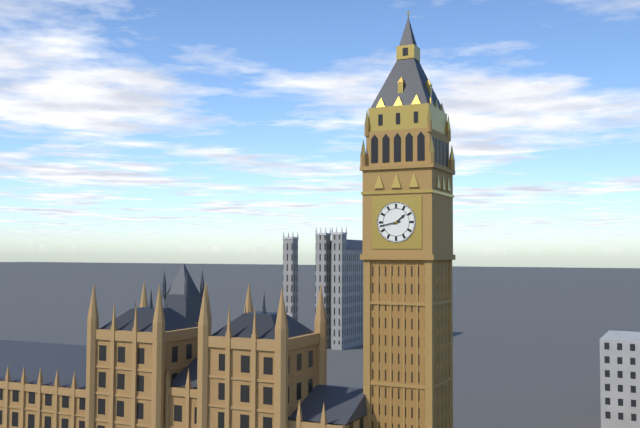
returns 1,43
